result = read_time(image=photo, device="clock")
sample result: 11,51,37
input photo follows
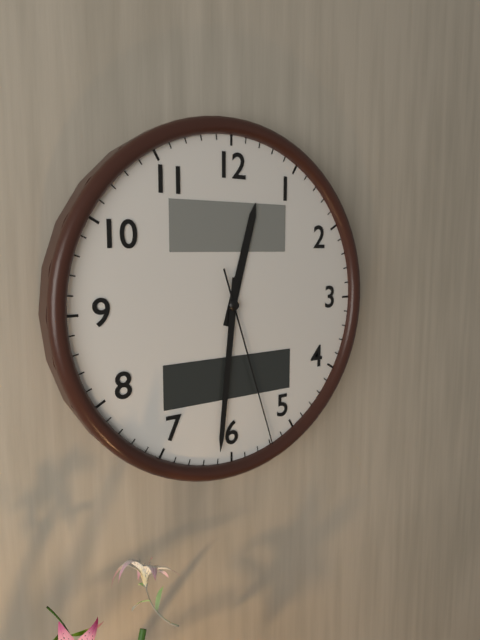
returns 12,31,27
